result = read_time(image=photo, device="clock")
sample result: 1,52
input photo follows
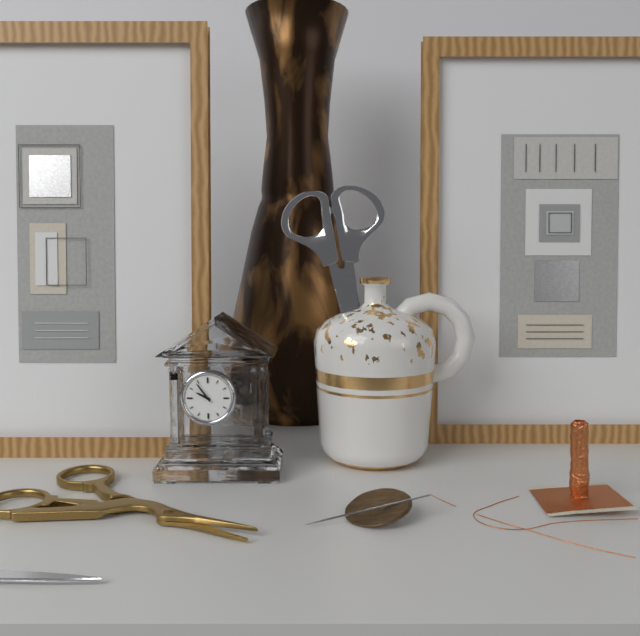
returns 9,54
